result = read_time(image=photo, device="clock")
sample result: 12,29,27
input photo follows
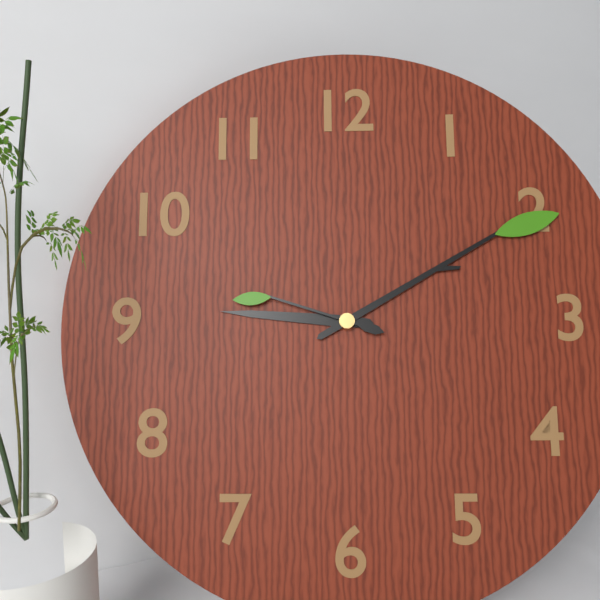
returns 9,10,48
